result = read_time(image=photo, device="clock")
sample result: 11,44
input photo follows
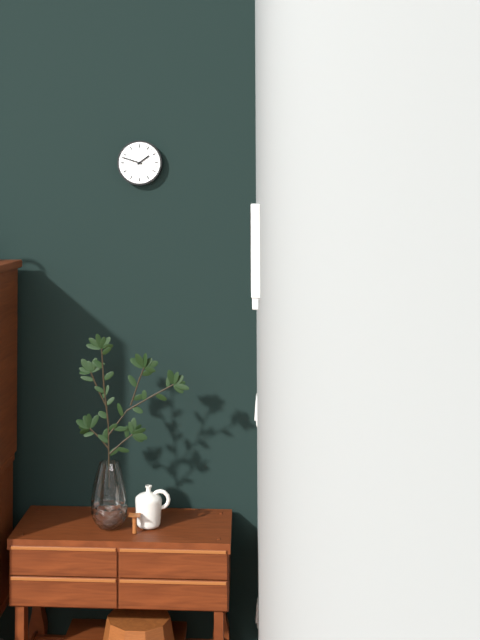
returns 1,48
